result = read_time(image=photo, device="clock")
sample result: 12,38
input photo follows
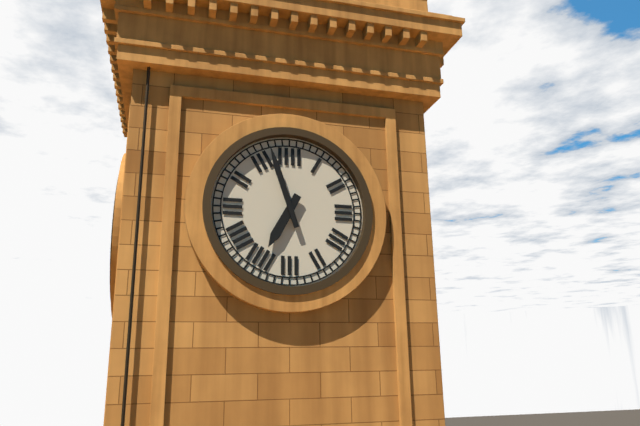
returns 6,57
